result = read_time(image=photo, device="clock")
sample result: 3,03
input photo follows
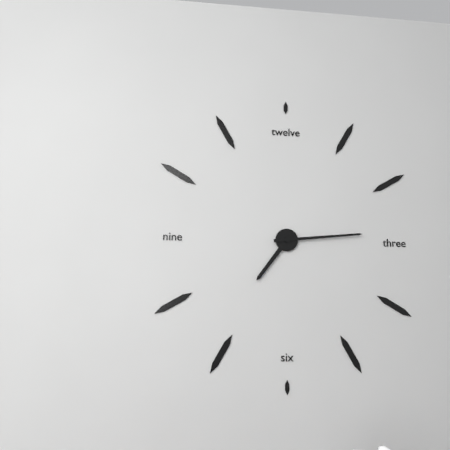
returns 7,14
